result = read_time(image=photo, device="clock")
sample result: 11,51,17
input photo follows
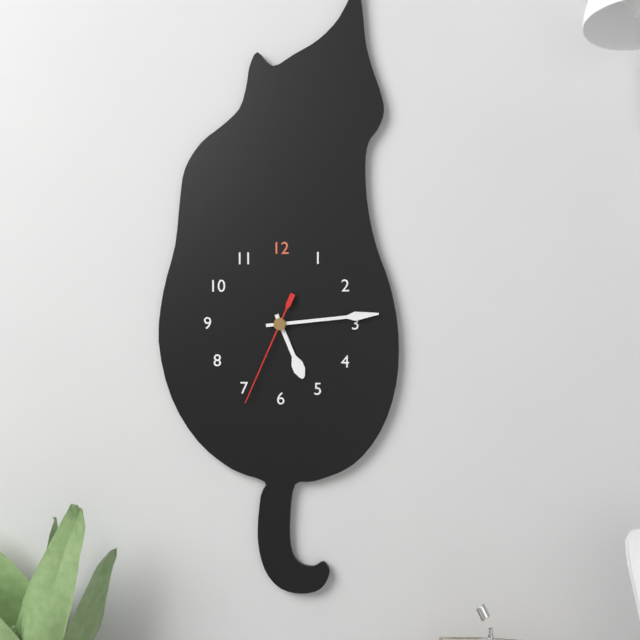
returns 5,14,34
